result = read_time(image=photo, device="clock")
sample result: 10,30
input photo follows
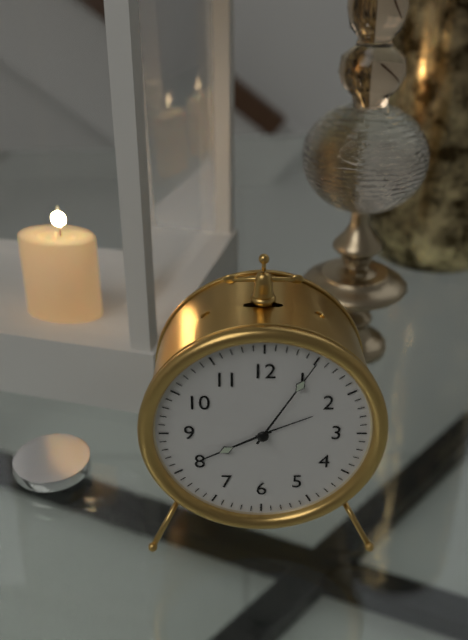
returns 8,05
